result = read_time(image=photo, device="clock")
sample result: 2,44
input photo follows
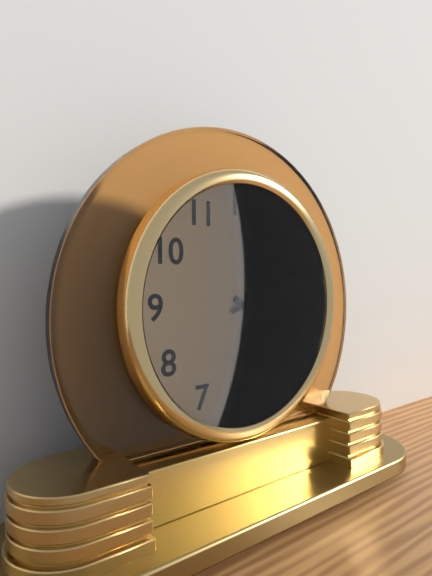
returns 4,11
